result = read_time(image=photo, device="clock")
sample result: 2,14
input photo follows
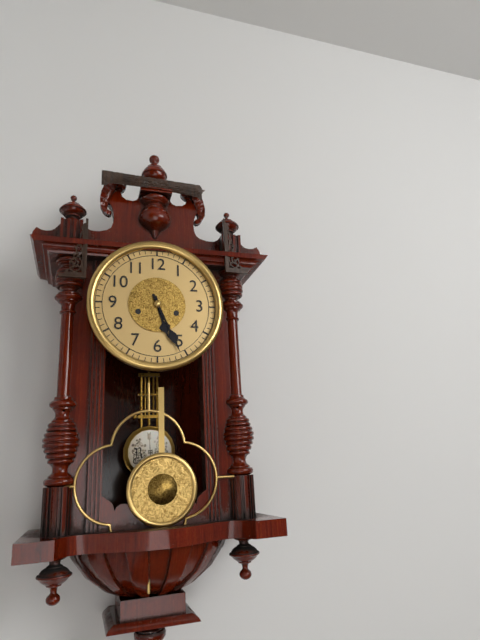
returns 5,26
